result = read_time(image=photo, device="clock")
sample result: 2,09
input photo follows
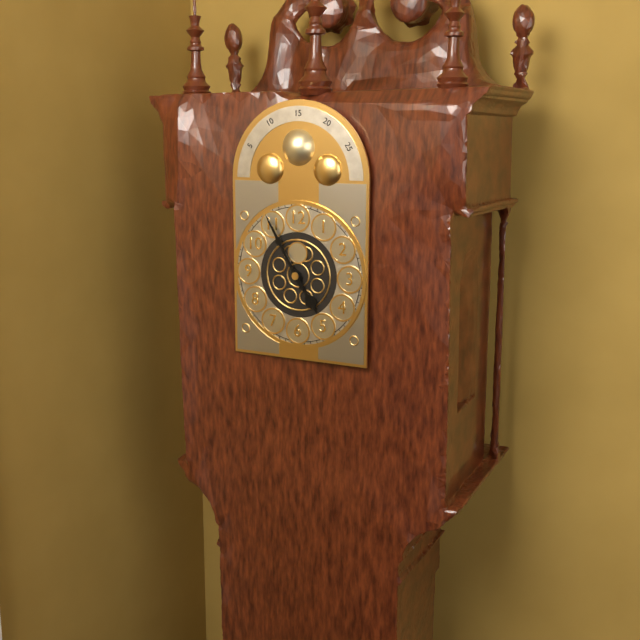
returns 4,55
